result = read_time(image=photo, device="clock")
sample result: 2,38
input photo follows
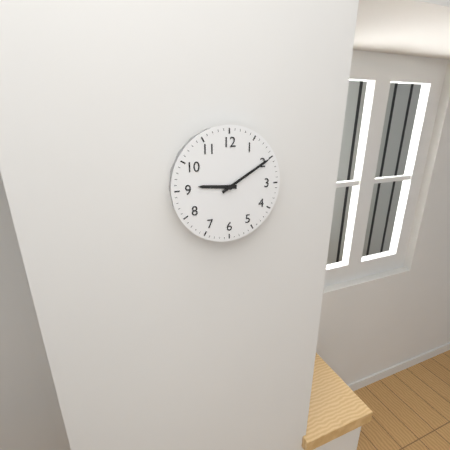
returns 9,10
